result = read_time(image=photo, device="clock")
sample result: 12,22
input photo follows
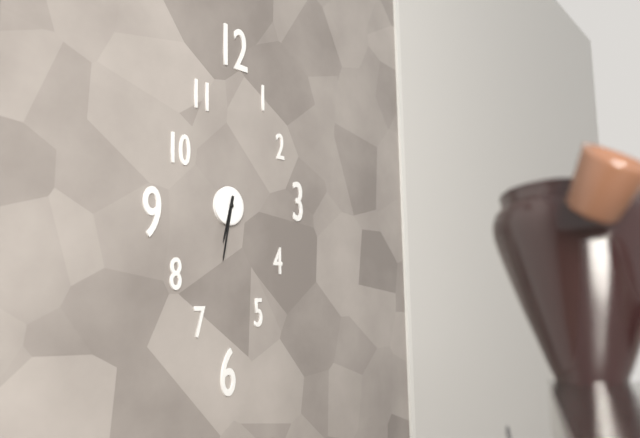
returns 6,32
